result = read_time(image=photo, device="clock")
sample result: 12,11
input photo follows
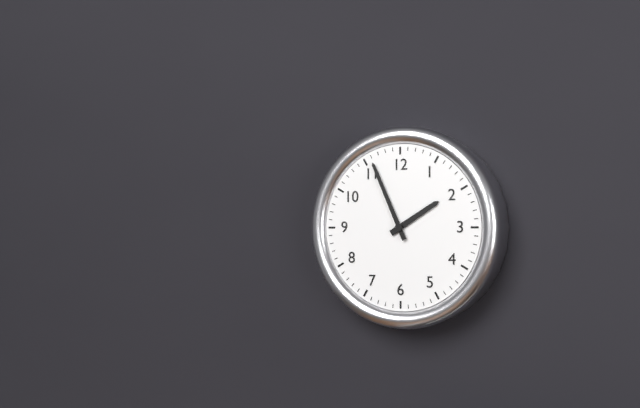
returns 1,56
